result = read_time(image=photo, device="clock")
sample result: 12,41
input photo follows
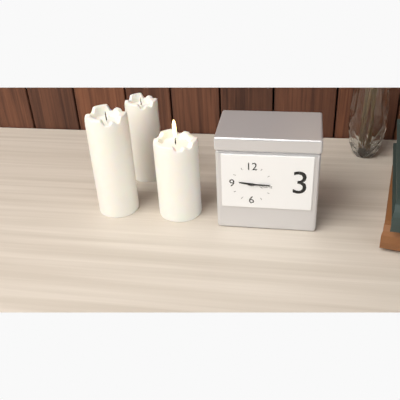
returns 9,15
